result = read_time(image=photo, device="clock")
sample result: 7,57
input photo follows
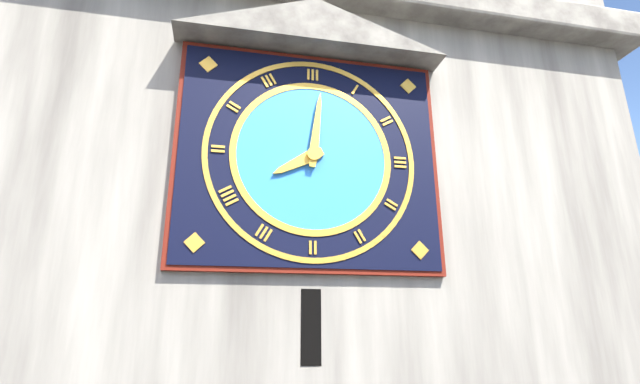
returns 8,01
